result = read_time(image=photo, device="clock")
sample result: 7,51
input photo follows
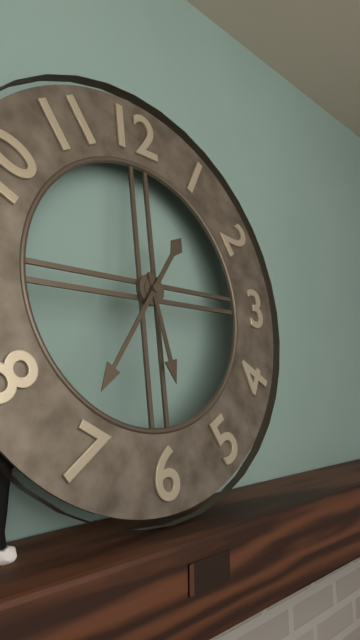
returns 5,36
